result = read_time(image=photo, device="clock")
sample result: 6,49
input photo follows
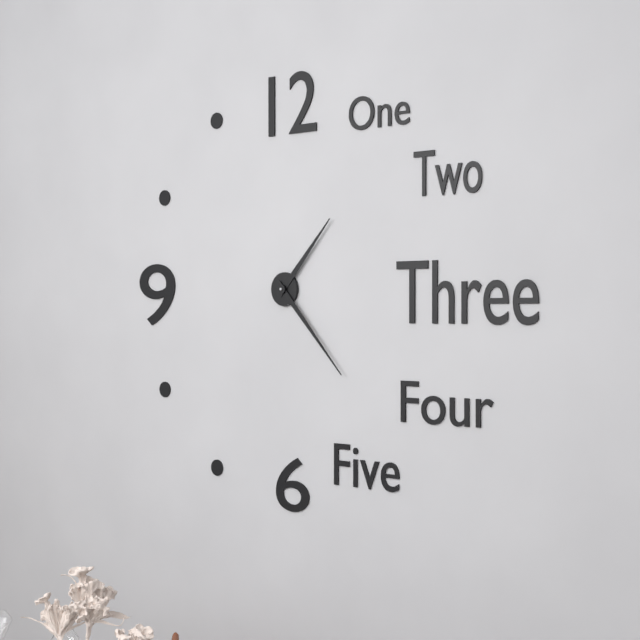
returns 1,23
